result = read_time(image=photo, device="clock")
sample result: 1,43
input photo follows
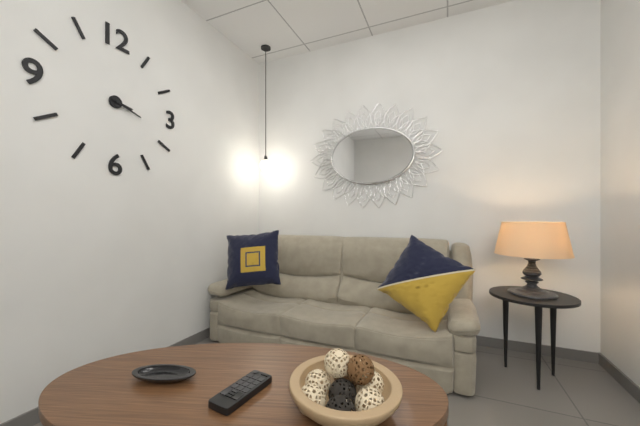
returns 3,18
